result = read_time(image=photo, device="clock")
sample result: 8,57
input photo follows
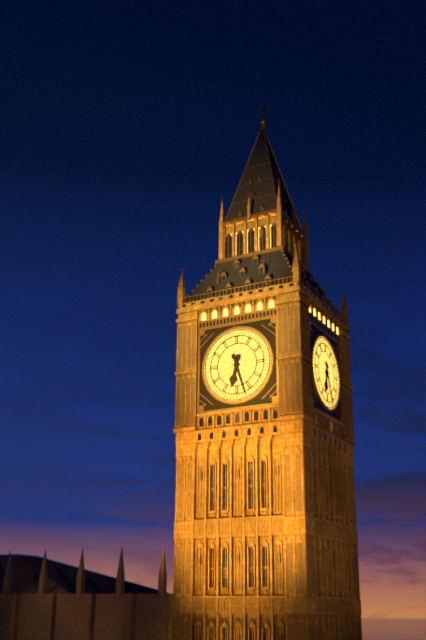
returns 6,27
